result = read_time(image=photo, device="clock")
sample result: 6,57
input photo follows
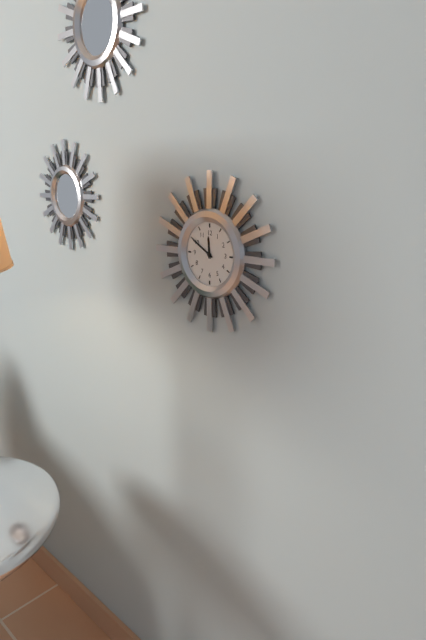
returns 11,50
